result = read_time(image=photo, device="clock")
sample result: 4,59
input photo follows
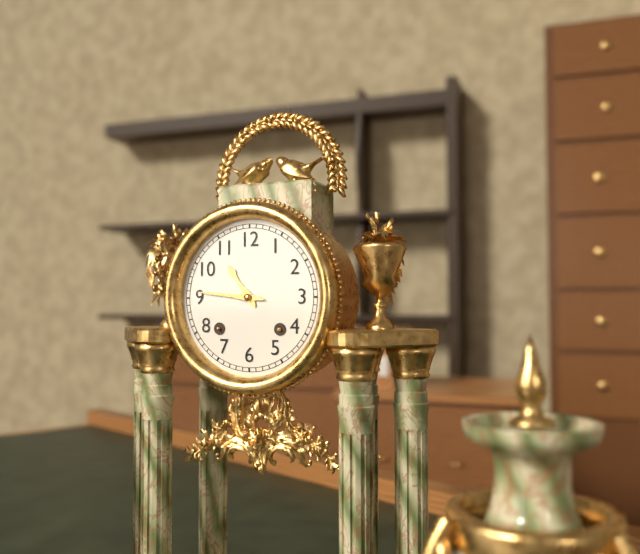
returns 10,46
